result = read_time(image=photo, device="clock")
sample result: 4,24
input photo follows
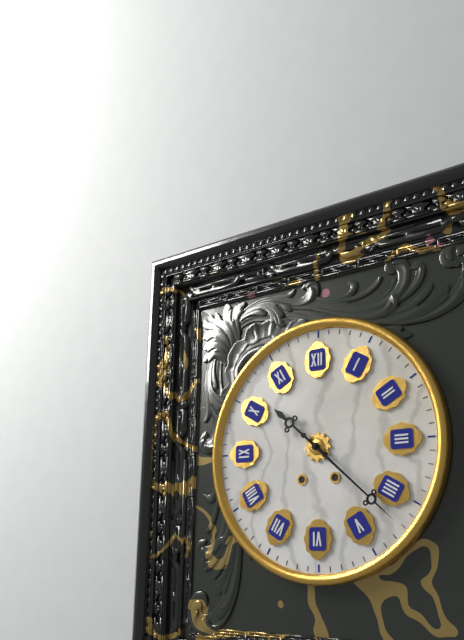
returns 10,22
